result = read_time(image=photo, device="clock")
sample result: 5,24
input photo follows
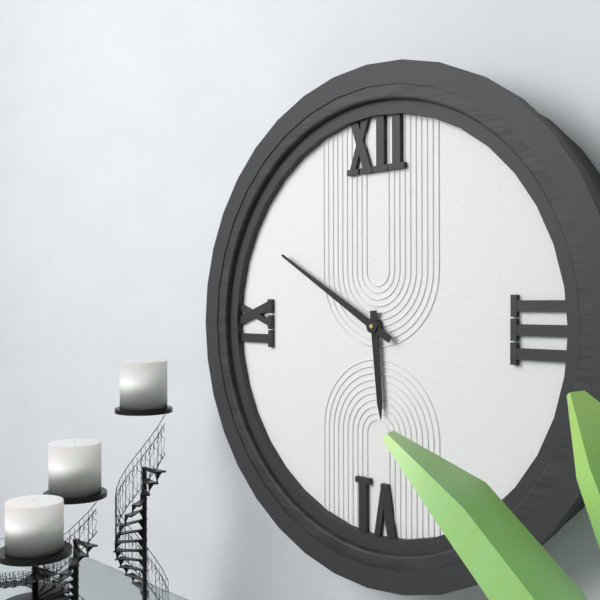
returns 5,50
